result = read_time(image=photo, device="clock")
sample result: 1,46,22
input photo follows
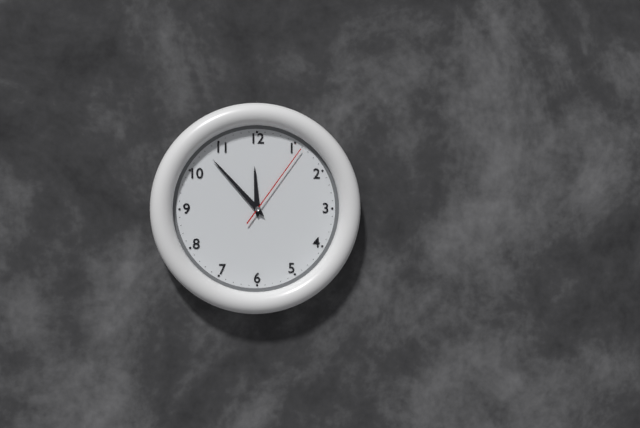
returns 11,53,06
